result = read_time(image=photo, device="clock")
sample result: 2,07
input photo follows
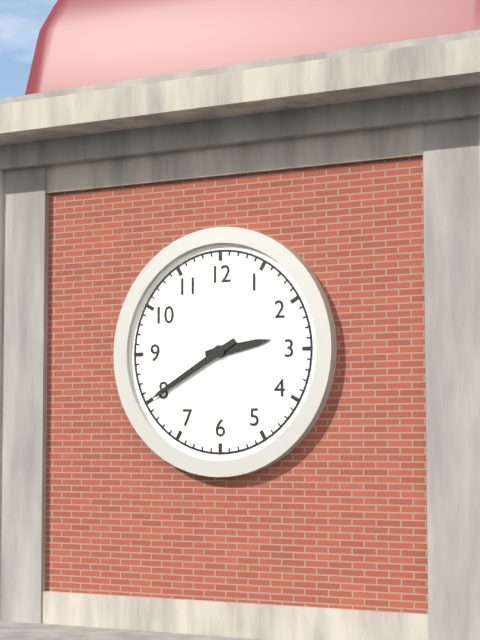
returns 2,40
